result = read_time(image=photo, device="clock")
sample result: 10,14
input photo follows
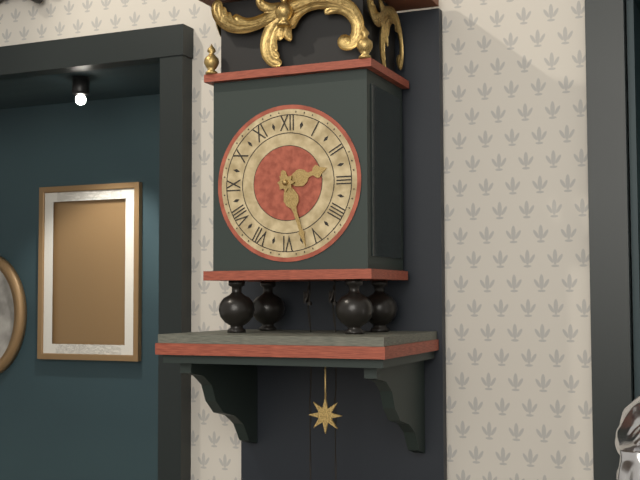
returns 2,27
